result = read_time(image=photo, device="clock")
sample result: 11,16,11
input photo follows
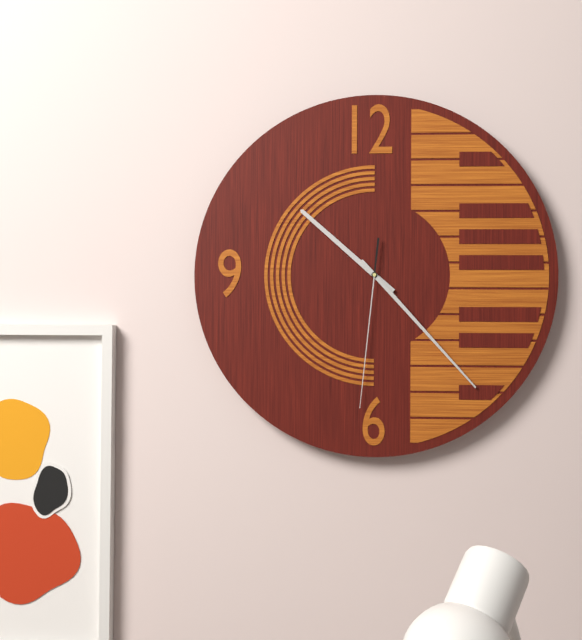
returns 10,23,31
